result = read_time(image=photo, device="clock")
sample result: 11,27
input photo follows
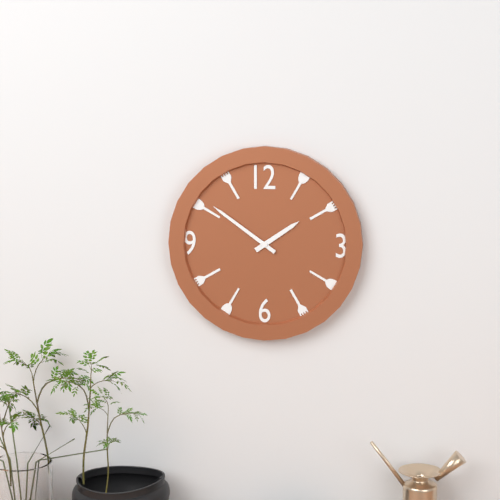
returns 1,51
